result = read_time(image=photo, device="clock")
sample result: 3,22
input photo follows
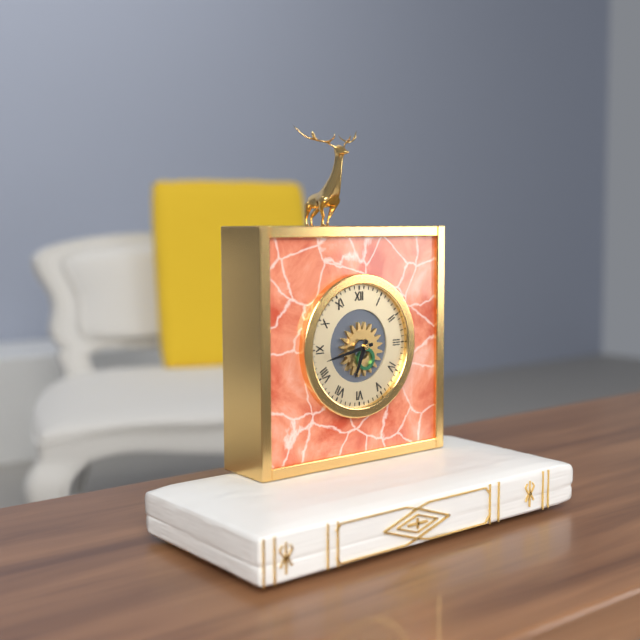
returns 6,43
